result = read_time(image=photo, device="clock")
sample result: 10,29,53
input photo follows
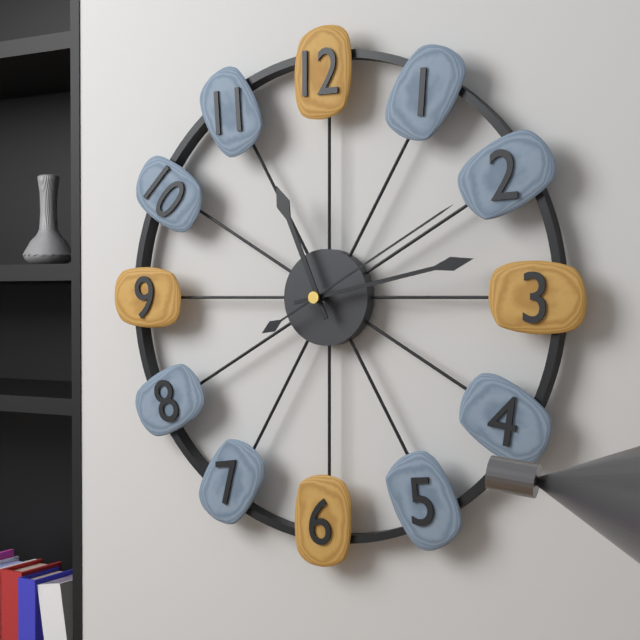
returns 11,13,10
